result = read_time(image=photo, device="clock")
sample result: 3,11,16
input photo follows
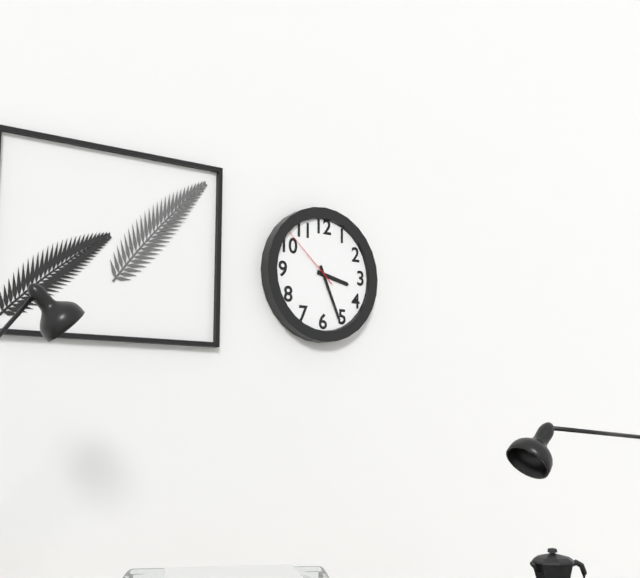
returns 3,26,52
